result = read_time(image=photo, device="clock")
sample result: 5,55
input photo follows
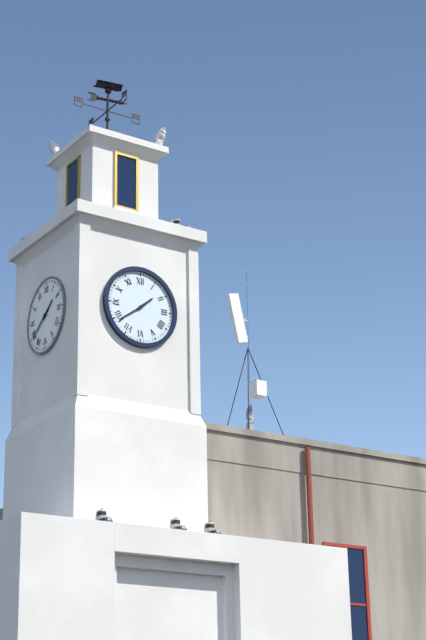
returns 1,39
